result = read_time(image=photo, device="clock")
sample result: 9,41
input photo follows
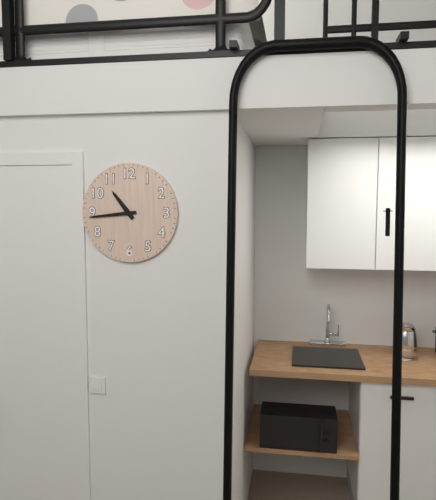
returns 10,44
